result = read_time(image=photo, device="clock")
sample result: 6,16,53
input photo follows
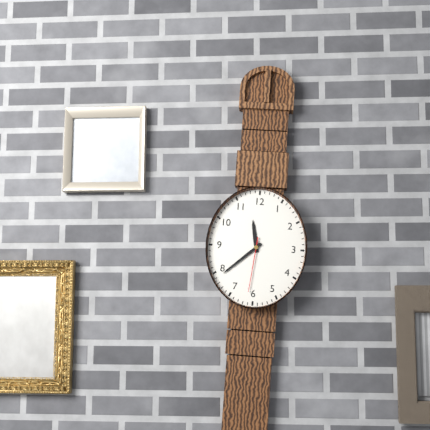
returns 11,38,31
